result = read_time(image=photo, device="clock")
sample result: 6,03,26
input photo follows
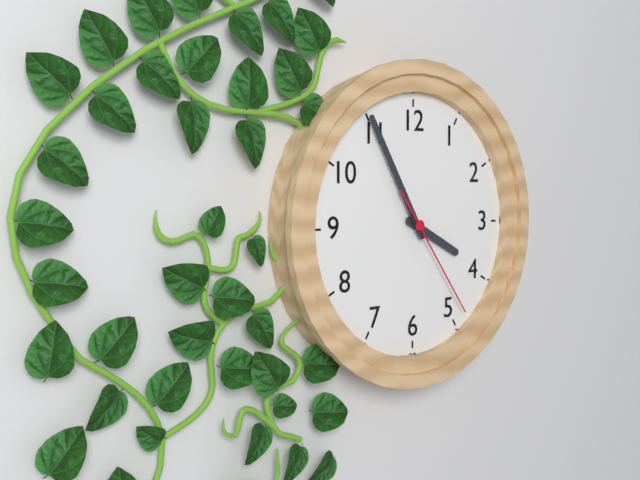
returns 3,55,24
